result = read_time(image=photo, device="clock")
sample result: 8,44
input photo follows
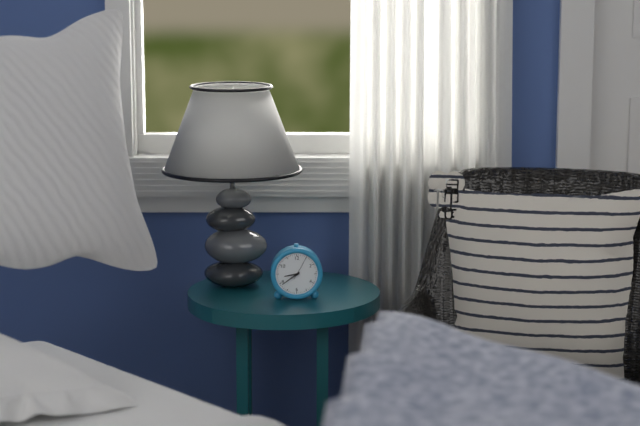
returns 8,39
